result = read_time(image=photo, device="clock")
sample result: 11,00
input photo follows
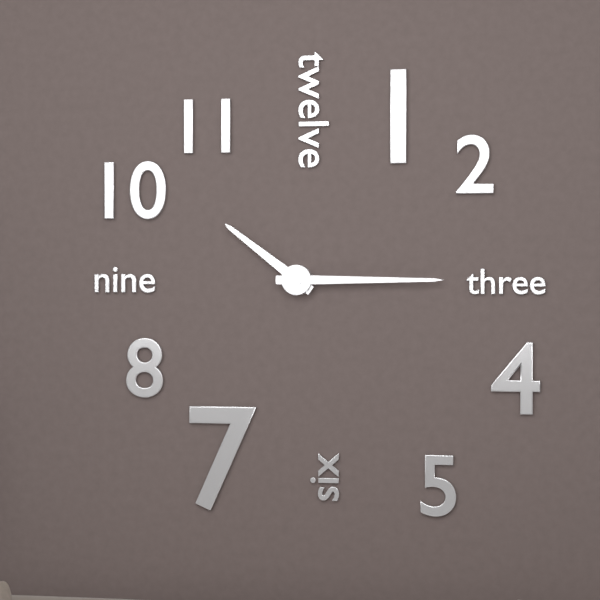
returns 10,15
